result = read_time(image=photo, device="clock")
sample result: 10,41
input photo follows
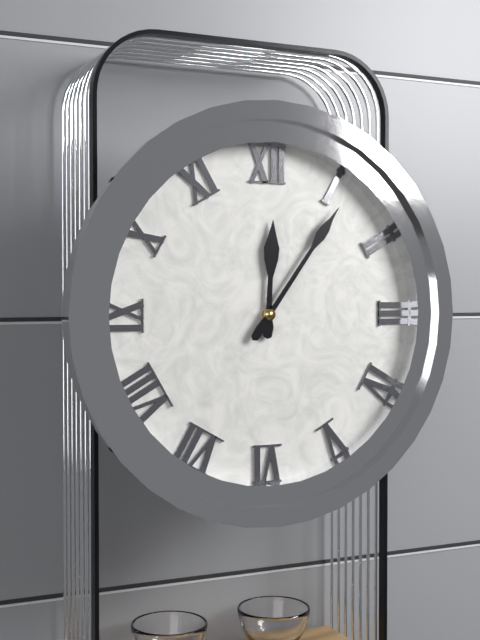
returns 12,06
